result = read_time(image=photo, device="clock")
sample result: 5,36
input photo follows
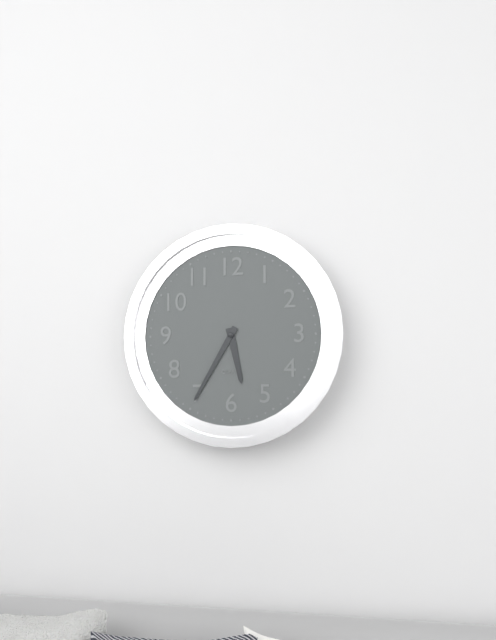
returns 5,35
